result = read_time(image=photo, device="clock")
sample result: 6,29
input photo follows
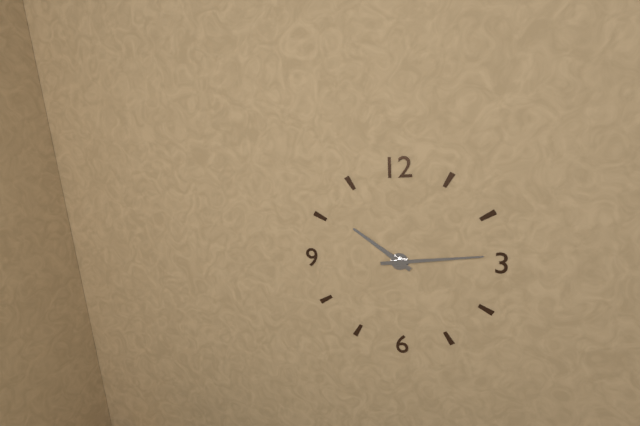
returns 10,14
